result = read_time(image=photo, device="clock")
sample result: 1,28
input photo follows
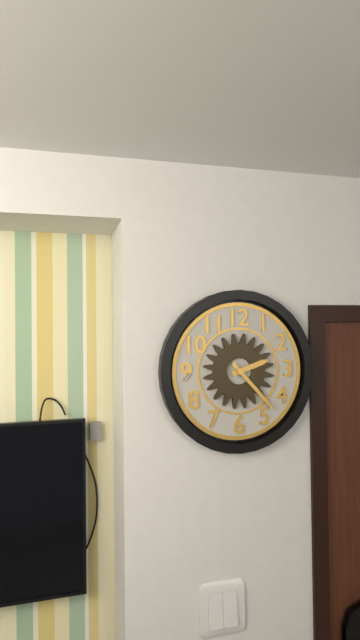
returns 2,23
